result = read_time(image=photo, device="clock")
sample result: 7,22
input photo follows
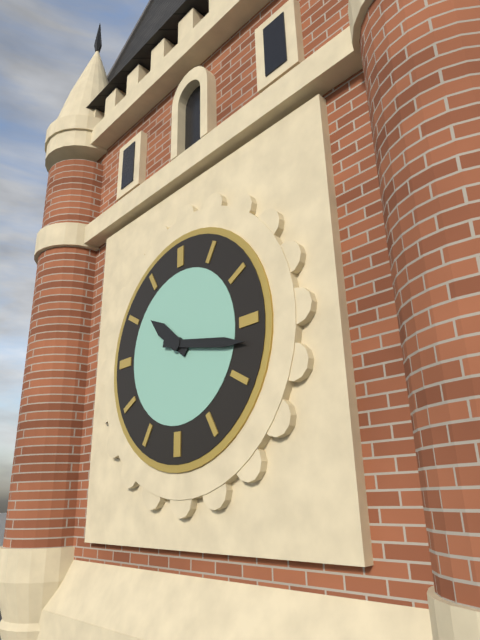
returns 10,17
